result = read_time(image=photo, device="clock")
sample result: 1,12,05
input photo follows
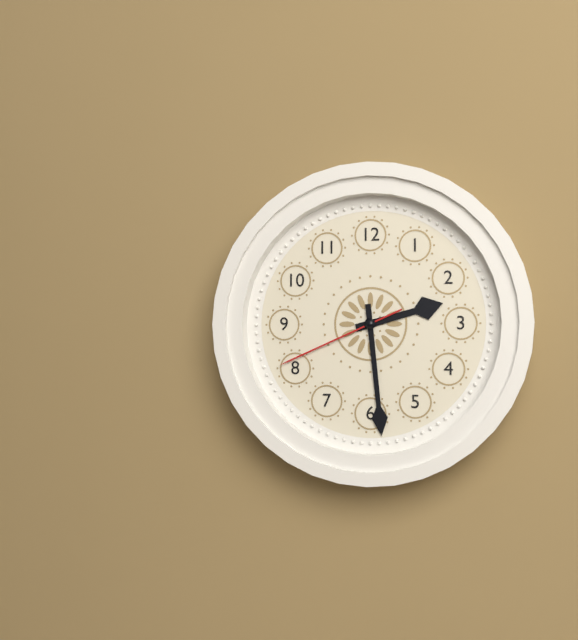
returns 2,29,41
